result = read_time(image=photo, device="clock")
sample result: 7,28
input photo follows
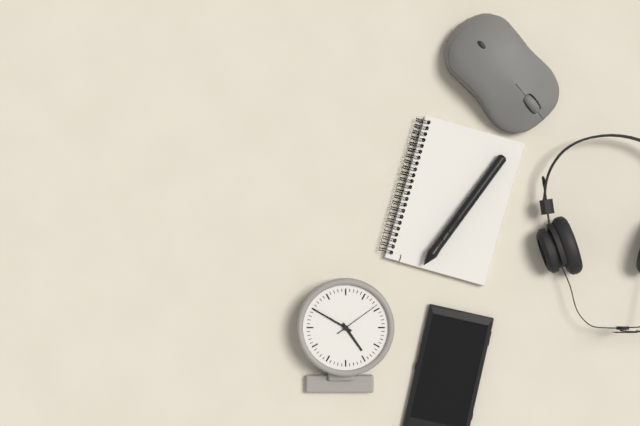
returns 4,50
